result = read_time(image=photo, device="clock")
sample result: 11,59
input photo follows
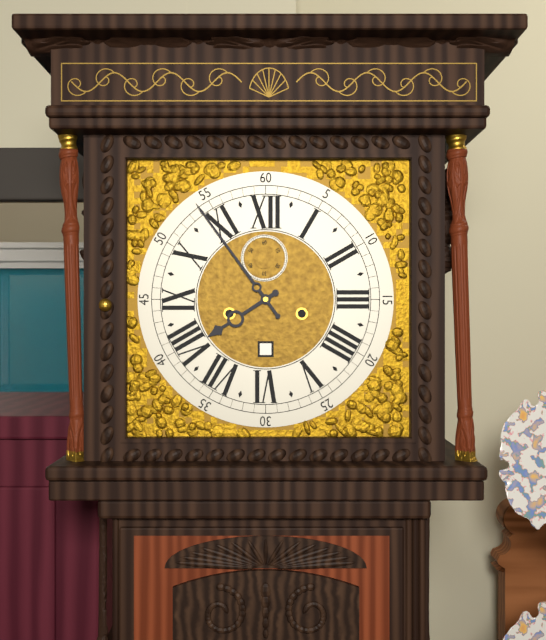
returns 7,54
